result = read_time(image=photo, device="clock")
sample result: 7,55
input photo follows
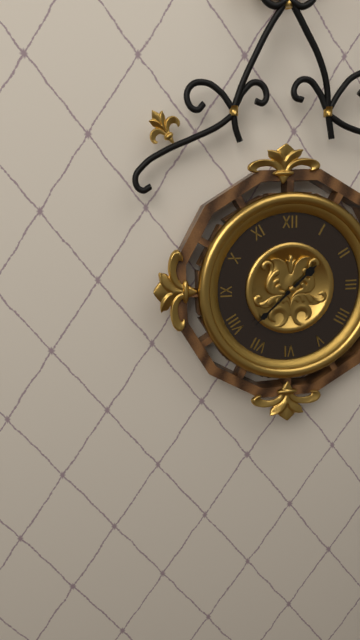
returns 1,38
